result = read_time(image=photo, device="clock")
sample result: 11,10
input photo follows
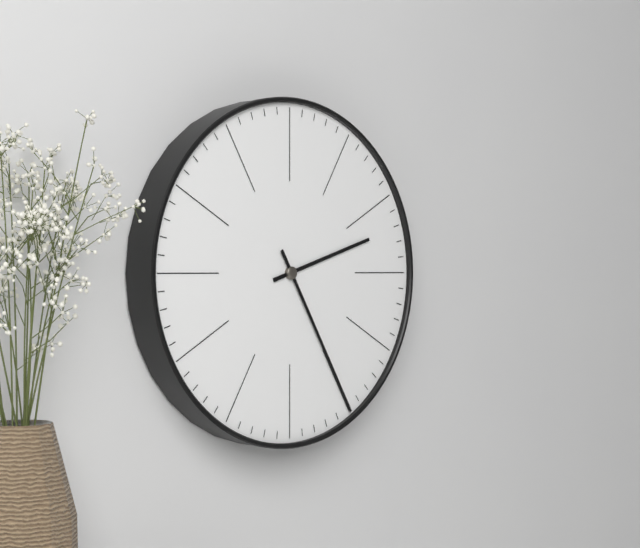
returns 2,25
